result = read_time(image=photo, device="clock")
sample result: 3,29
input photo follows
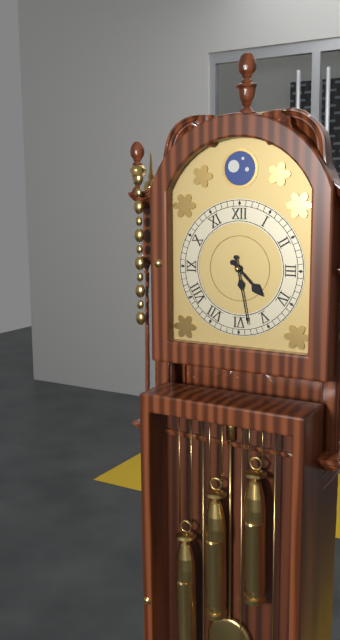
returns 4,28
